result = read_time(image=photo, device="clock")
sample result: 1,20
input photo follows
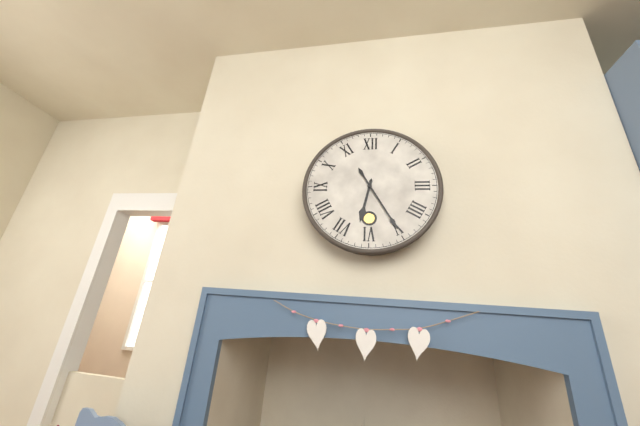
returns 6,25
